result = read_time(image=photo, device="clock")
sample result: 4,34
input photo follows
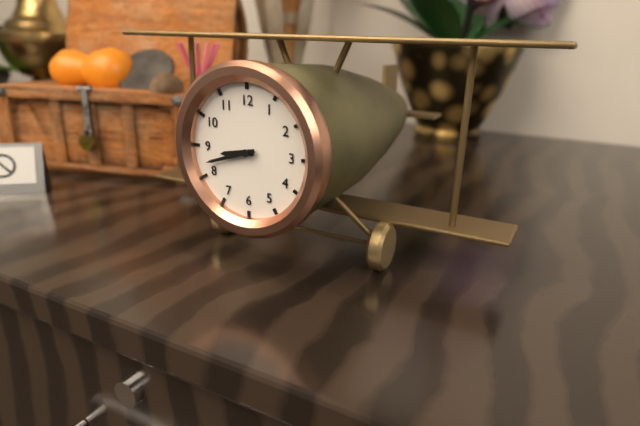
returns 8,42
